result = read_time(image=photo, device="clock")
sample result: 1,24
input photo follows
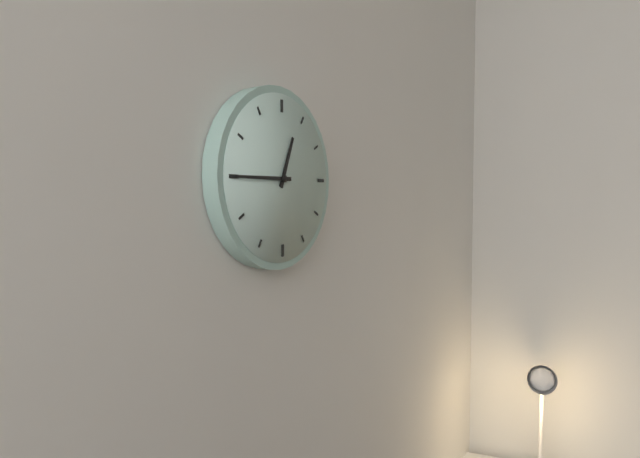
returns 12,45
